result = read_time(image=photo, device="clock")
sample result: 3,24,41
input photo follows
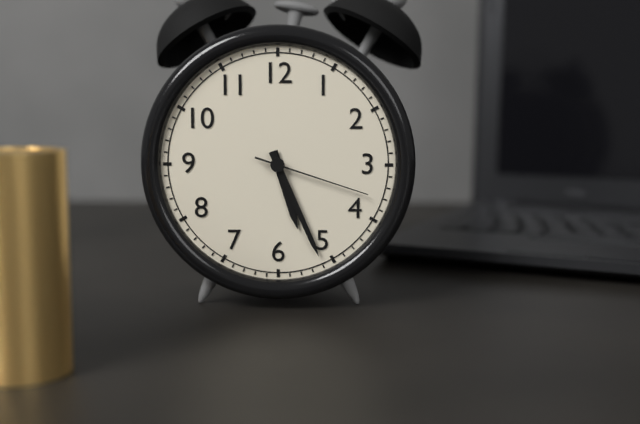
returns 5,26,18
